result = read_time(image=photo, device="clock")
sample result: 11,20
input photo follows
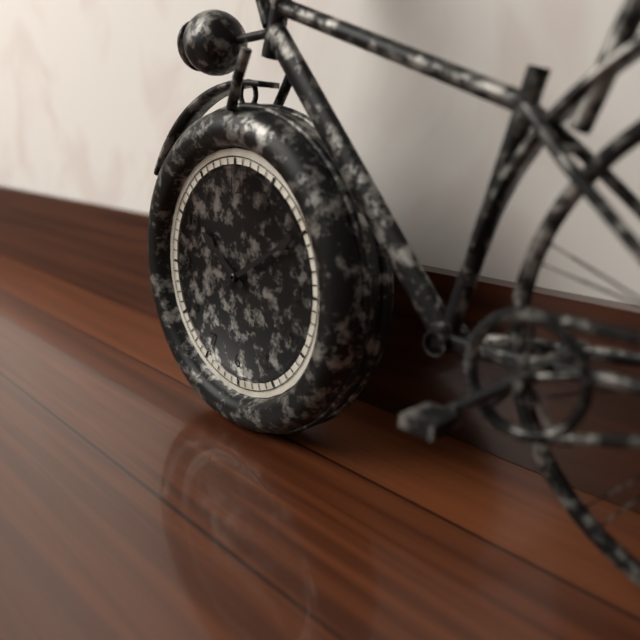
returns 10,10
